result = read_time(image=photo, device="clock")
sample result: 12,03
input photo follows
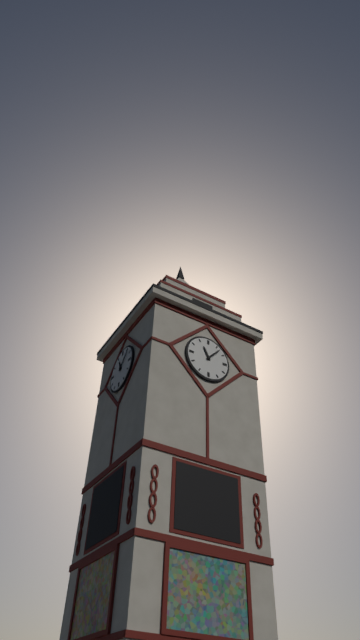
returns 11,07
